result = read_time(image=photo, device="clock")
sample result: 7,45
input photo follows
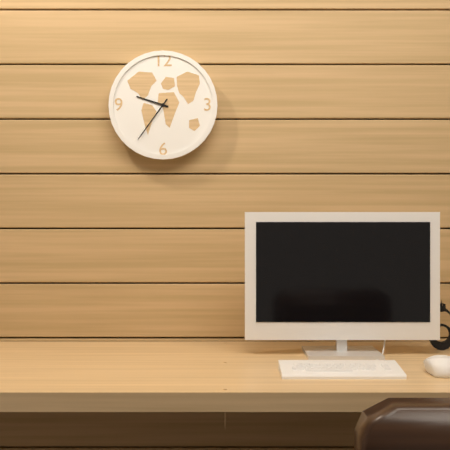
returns 9,36
